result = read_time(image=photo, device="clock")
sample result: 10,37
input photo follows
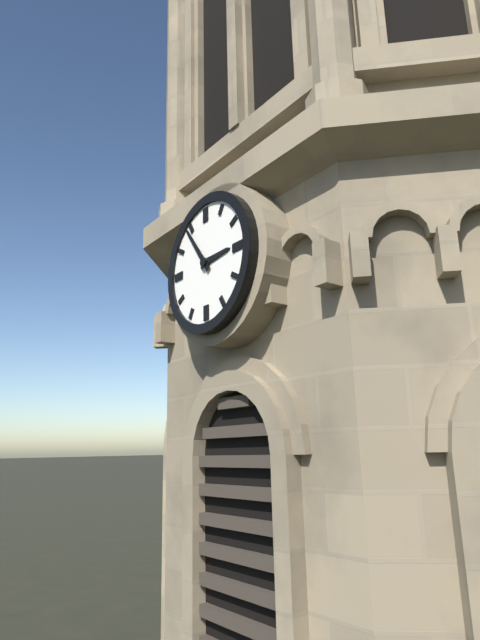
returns 2,54
